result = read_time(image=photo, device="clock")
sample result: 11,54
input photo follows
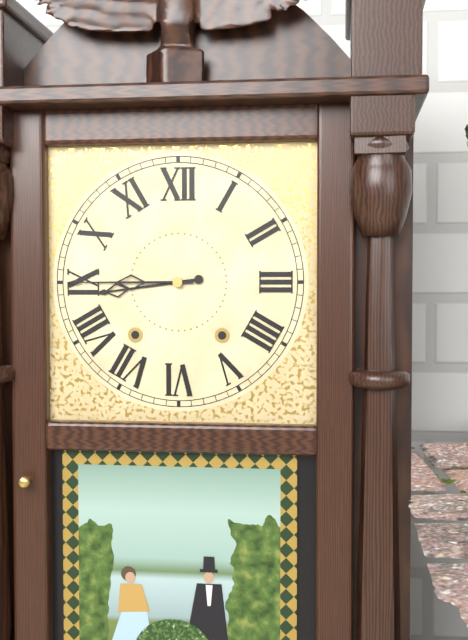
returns 8,45
